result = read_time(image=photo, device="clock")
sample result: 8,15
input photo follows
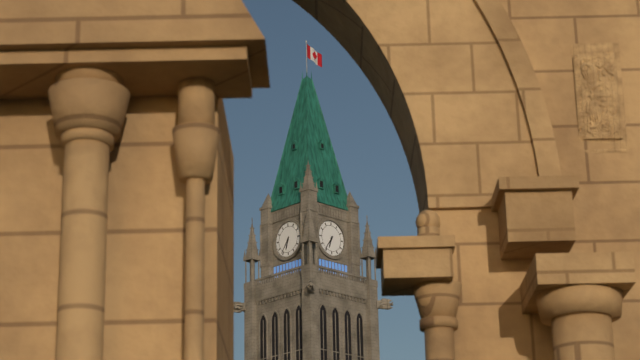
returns 6,36
